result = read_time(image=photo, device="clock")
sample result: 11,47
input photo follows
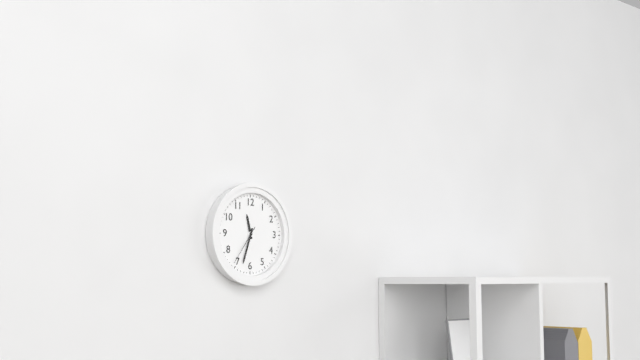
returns 11,33
